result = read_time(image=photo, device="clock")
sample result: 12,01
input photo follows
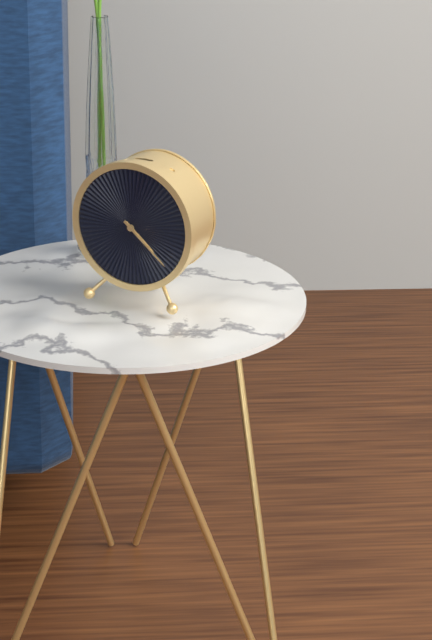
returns 4,22
